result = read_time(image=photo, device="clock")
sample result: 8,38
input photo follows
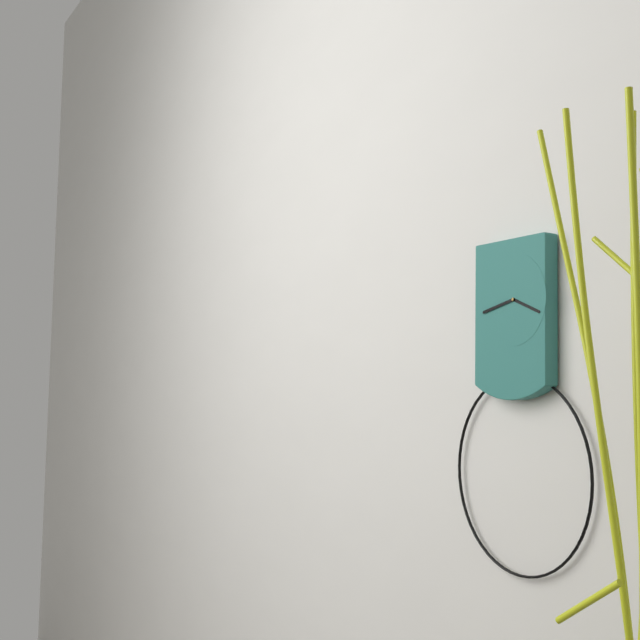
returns 3,43
